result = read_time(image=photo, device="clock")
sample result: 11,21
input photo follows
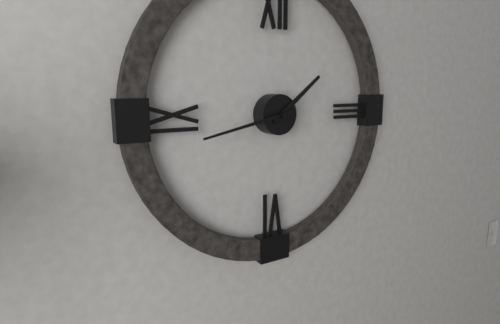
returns 1,43
